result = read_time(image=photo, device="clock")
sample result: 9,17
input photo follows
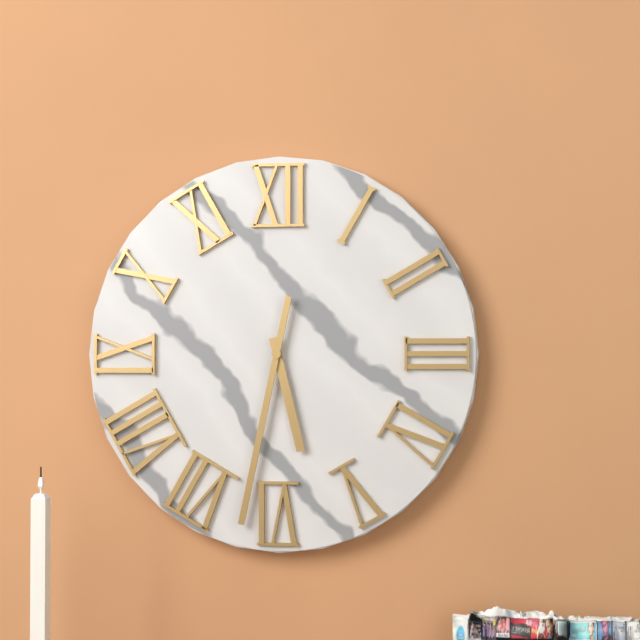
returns 5,32
